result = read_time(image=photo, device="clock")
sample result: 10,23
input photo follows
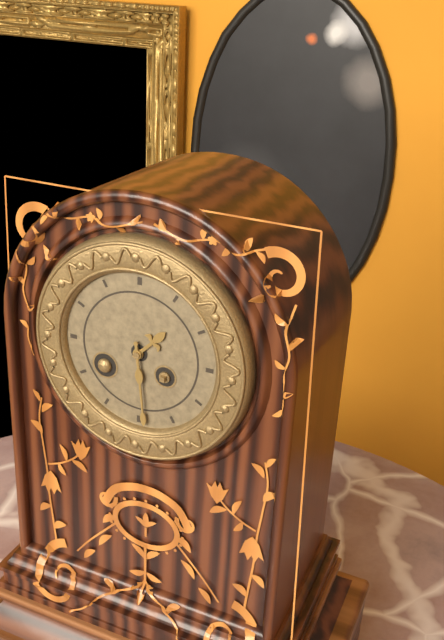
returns 1,29
